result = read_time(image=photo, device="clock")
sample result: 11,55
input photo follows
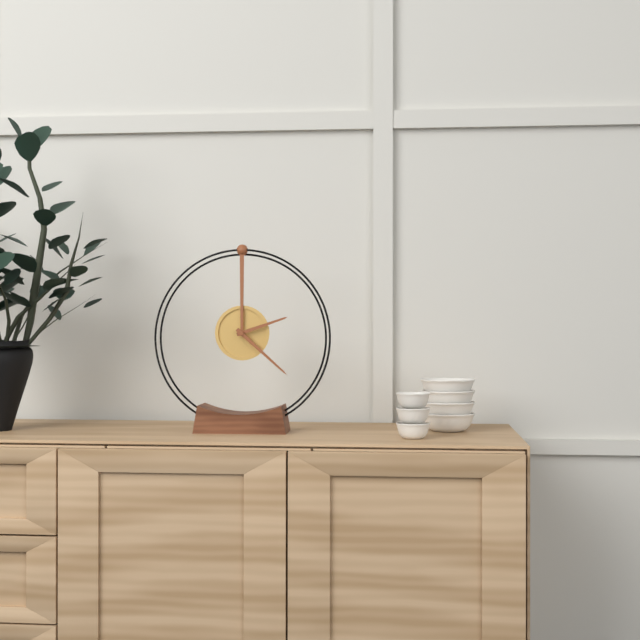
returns 2,22
